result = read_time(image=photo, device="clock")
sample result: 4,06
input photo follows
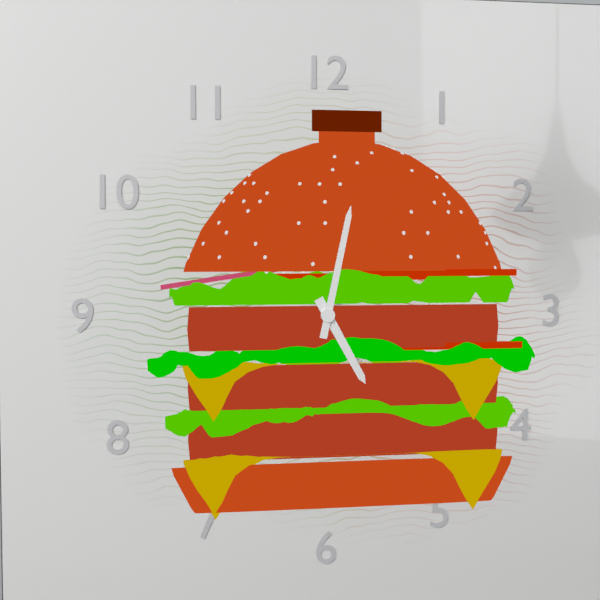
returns 5,02
